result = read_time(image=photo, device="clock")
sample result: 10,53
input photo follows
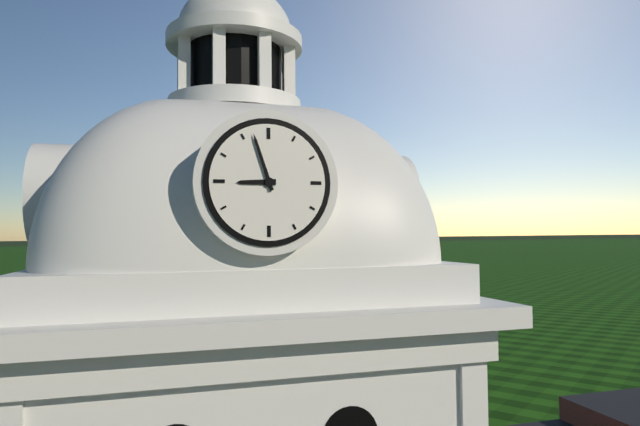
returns 8,57
